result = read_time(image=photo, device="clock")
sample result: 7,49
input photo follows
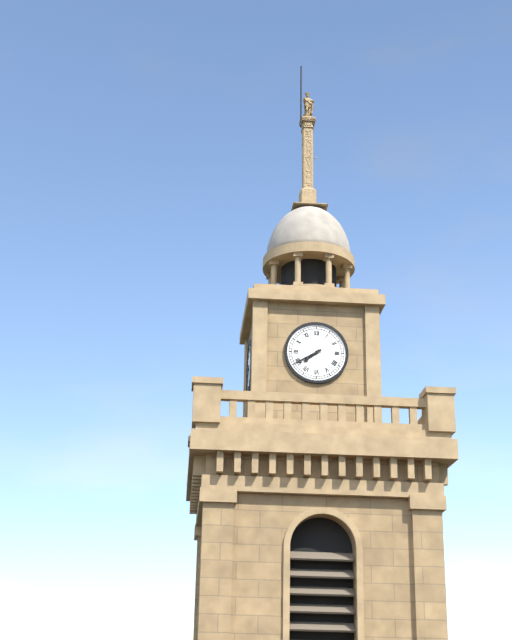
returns 7,40
